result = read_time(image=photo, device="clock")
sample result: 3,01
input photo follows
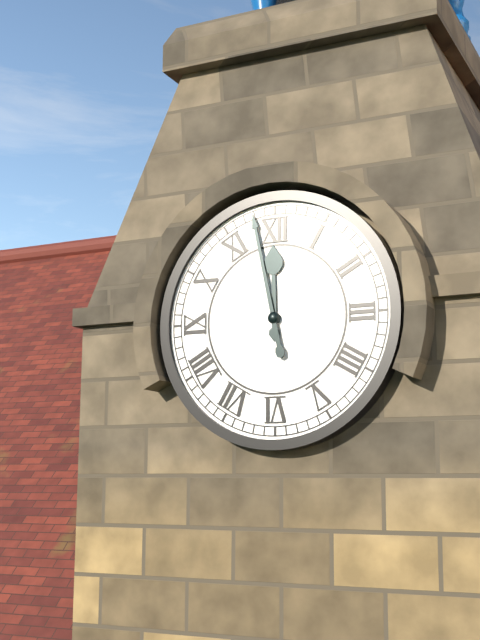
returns 11,58
